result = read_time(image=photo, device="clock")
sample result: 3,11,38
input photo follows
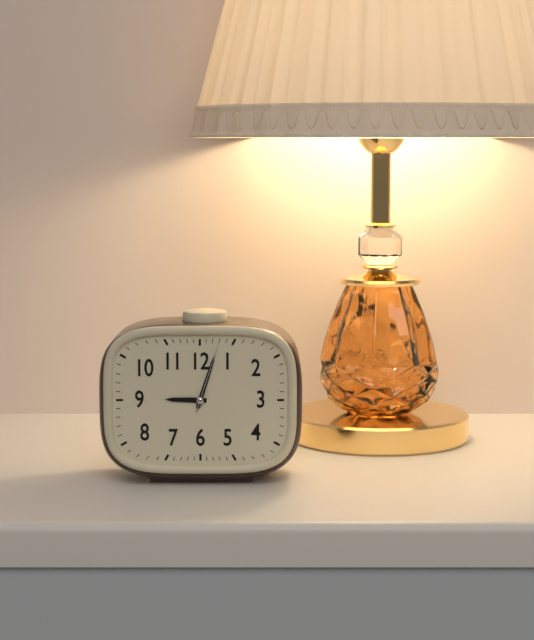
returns 9,03,03
